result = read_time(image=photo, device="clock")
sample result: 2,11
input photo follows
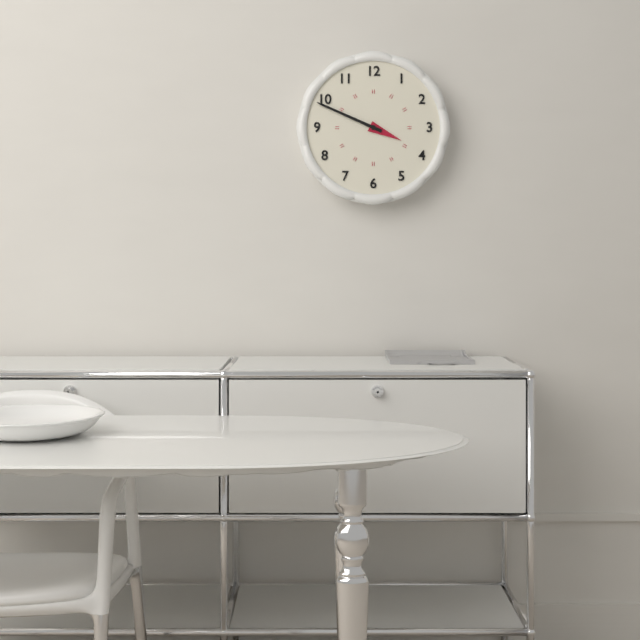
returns 3,49
